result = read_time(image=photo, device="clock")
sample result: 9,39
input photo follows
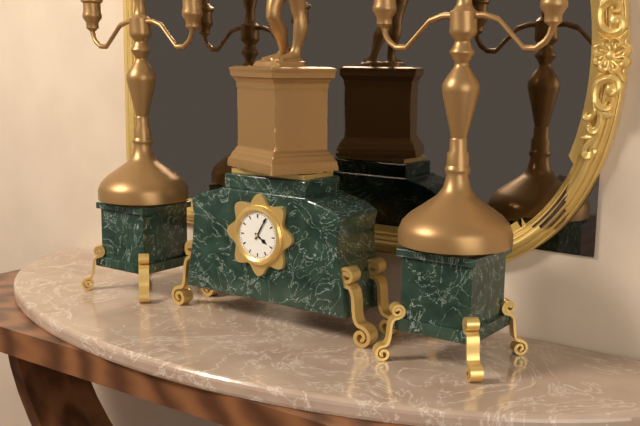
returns 4,05
